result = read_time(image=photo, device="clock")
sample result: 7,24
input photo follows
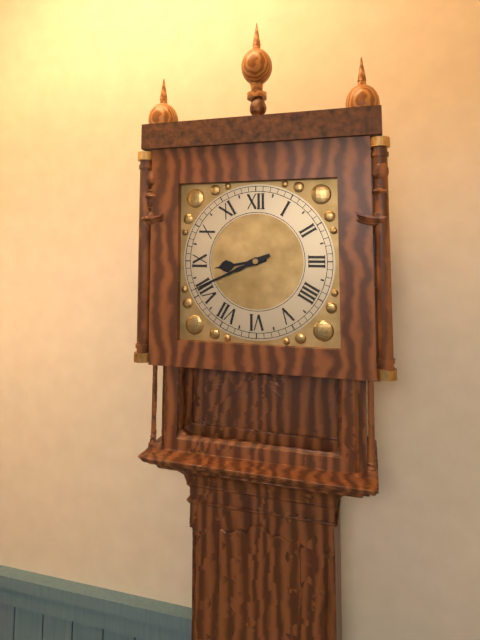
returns 8,41
